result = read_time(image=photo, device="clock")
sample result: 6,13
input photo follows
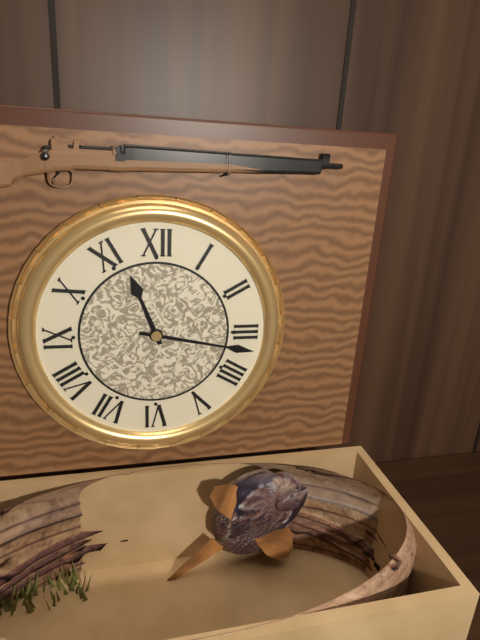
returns 11,17
